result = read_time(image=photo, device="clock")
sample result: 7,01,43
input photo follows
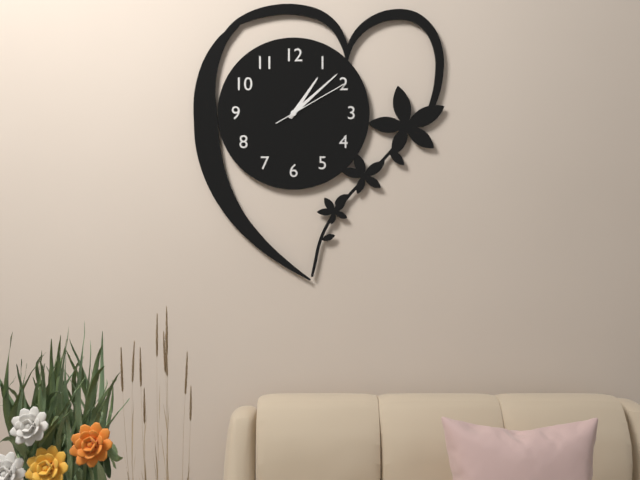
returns 1,08,10
